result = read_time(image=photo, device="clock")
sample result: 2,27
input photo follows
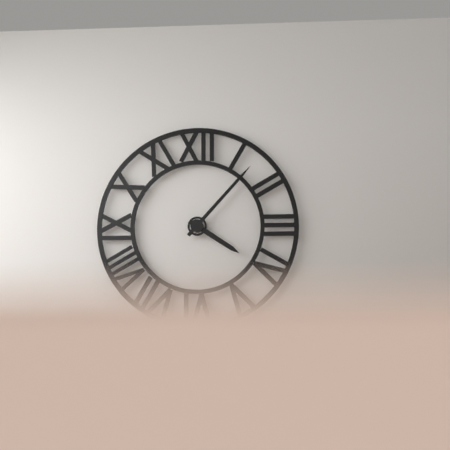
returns 4,07
